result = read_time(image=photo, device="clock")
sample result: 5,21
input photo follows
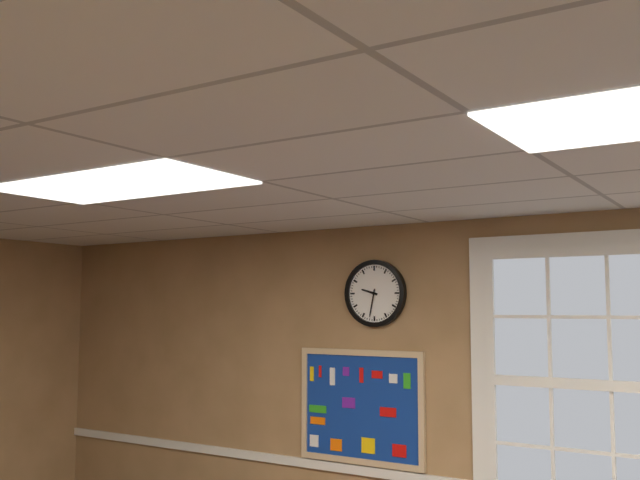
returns 9,32
